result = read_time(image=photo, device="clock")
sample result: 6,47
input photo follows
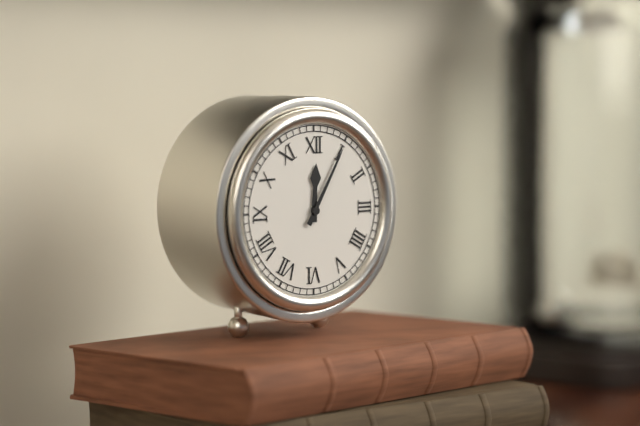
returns 12,05
